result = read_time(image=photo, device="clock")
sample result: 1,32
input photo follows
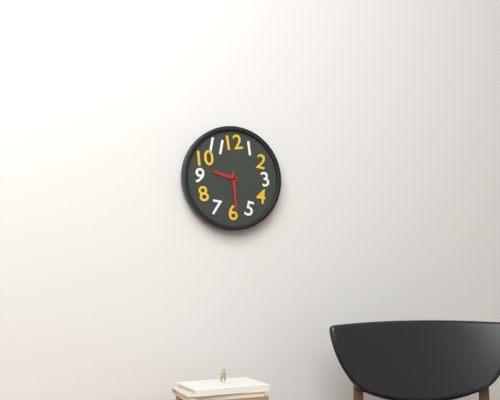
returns 9,29
